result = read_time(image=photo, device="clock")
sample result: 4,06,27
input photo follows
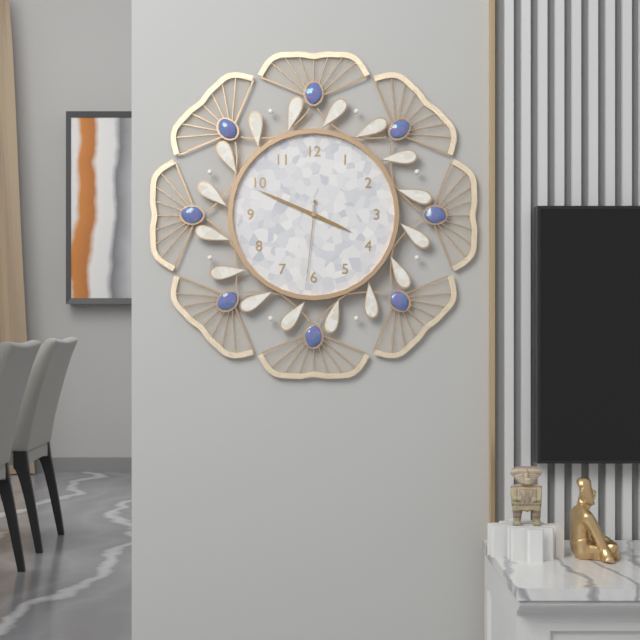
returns 3,49,31
